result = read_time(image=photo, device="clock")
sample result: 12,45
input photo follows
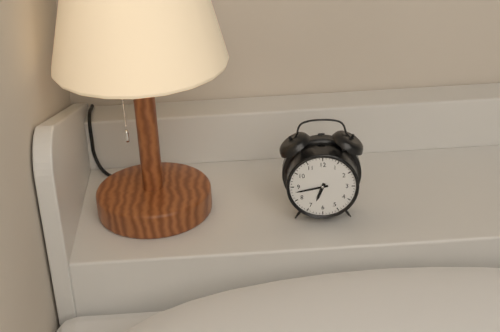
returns 6,43
